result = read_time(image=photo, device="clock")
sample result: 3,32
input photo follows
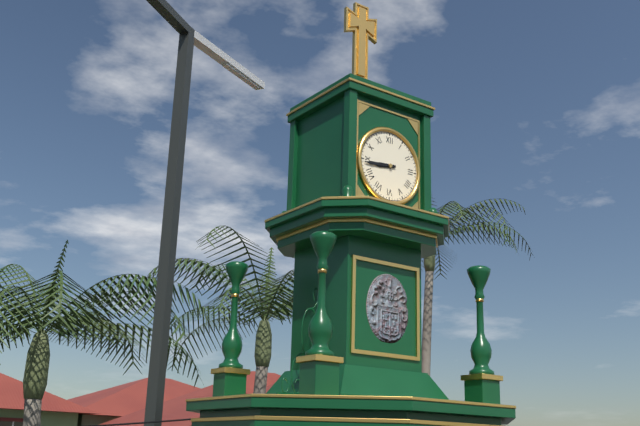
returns 8,44
